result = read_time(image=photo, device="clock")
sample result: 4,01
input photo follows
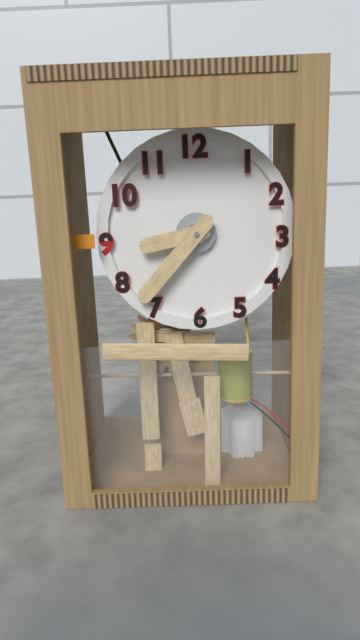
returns 8,37
